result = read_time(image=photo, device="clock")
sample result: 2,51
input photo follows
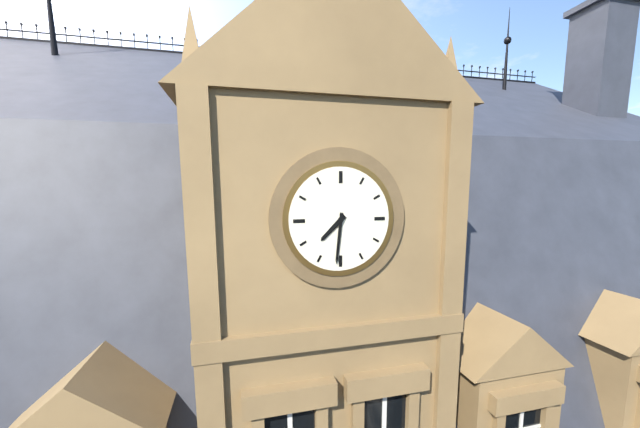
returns 7,31
